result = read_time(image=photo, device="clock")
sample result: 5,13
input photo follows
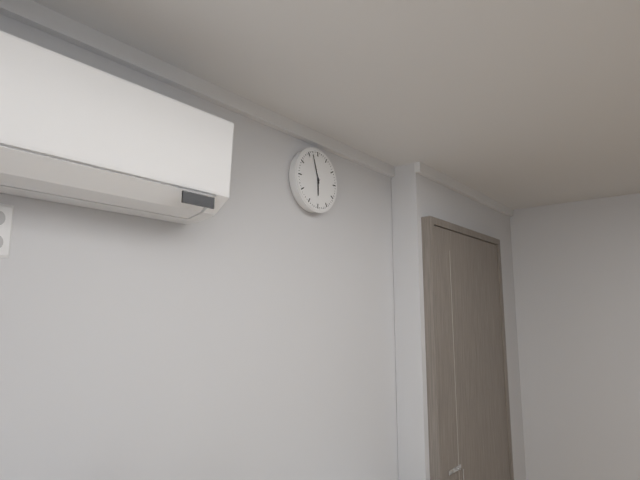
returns 5,57
